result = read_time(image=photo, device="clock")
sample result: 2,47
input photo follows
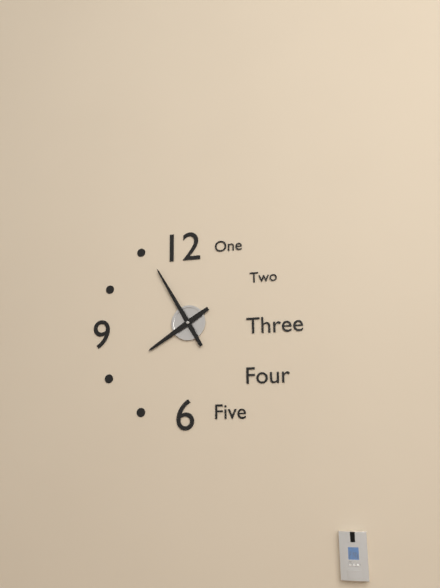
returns 7,55
